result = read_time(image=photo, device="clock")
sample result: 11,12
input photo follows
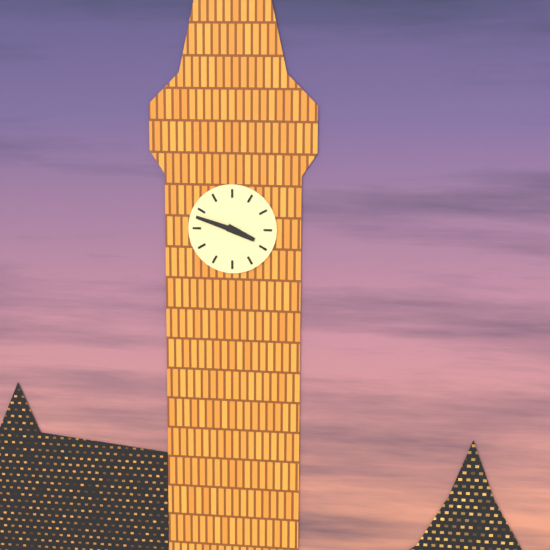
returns 3,48
